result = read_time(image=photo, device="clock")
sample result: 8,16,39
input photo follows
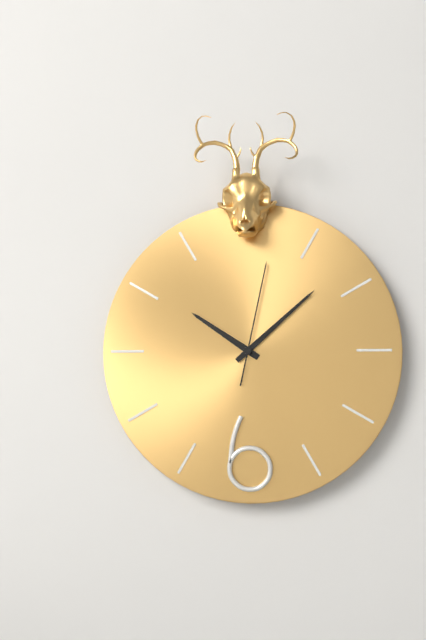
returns 10,08,02
